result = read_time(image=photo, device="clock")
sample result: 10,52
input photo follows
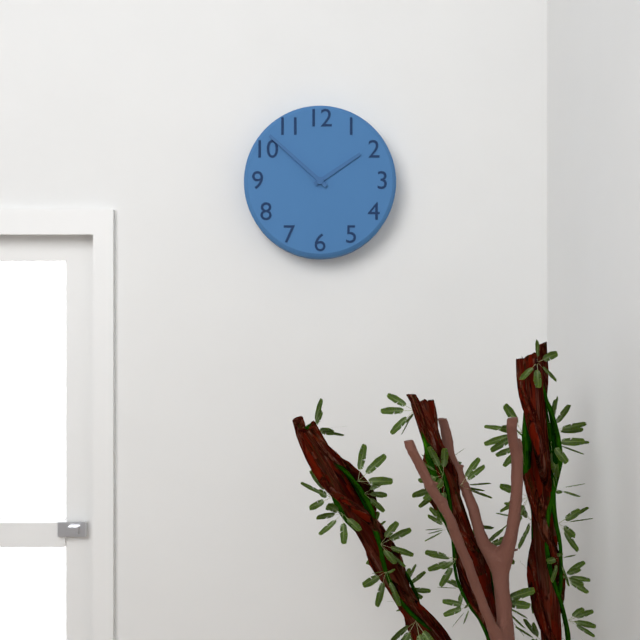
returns 1,52
